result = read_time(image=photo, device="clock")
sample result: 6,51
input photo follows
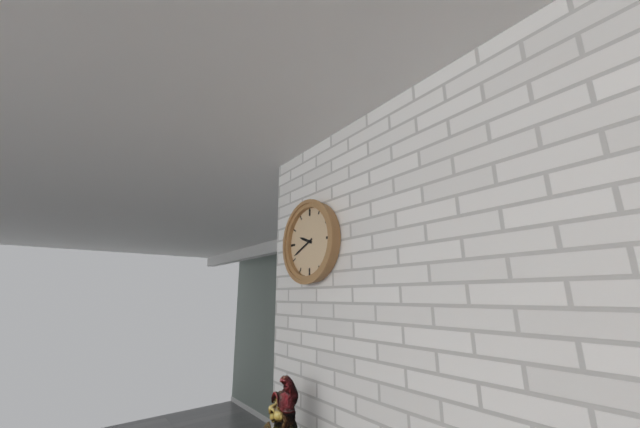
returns 9,41
